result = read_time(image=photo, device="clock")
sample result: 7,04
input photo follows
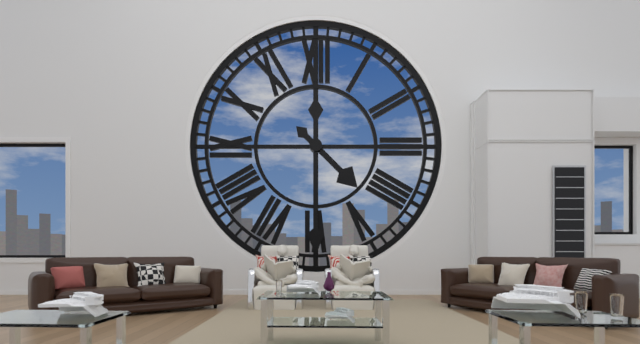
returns 4,30
